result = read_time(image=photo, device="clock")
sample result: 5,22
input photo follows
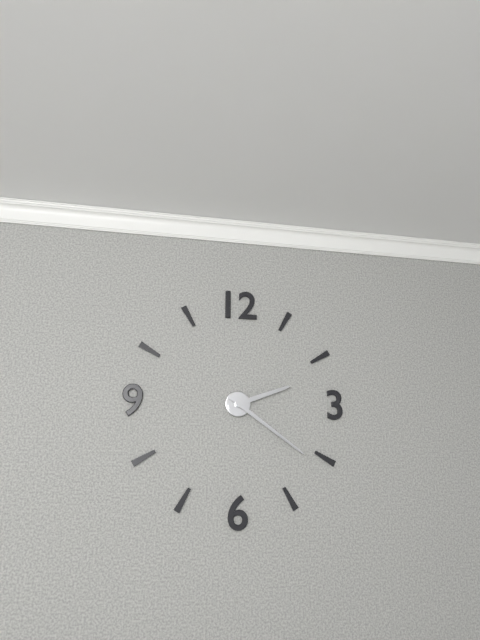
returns 2,21
